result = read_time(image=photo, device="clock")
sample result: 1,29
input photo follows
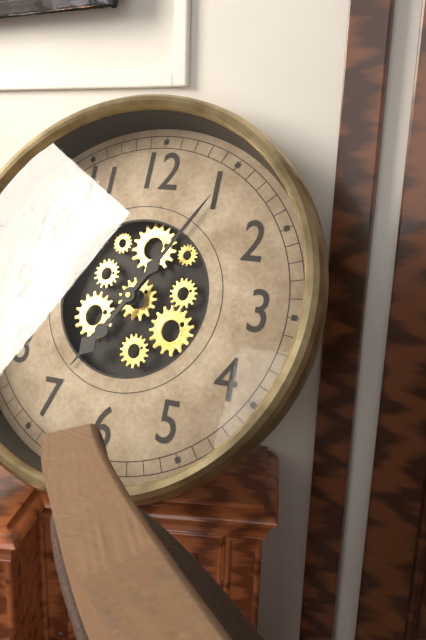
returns 7,05
